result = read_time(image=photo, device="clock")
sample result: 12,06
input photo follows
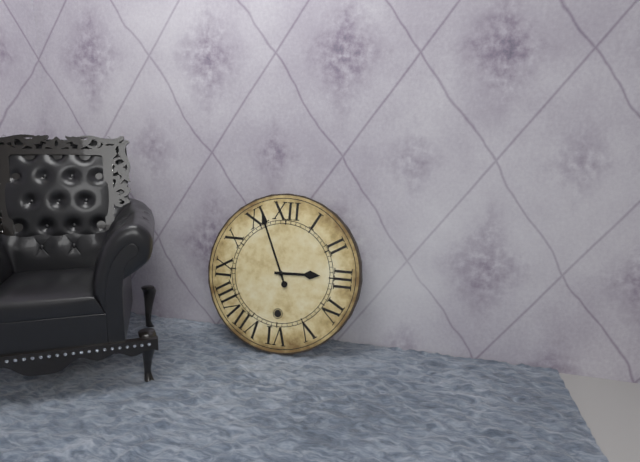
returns 2,56
